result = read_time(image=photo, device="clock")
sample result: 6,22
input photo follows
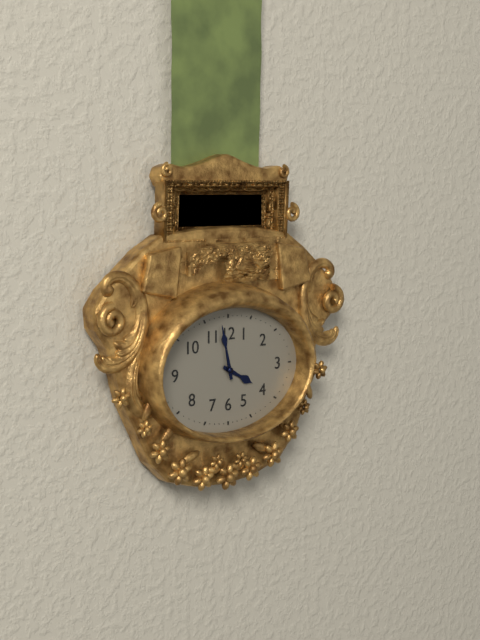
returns 3,58
